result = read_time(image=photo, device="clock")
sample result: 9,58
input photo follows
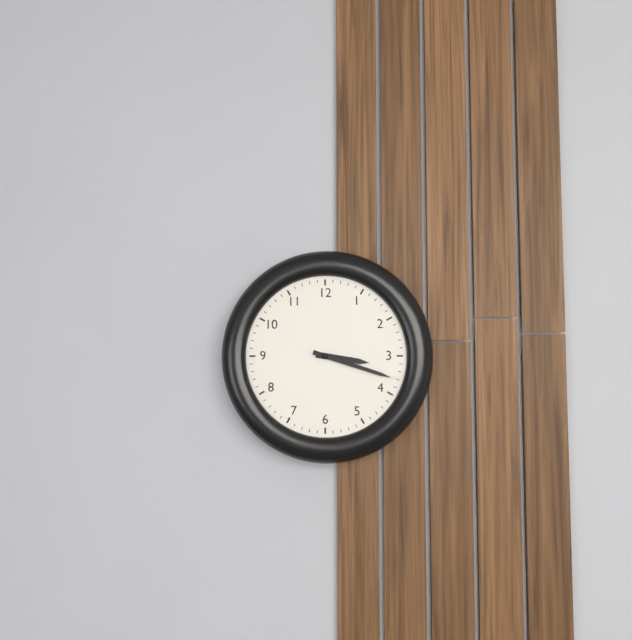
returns 3,18
